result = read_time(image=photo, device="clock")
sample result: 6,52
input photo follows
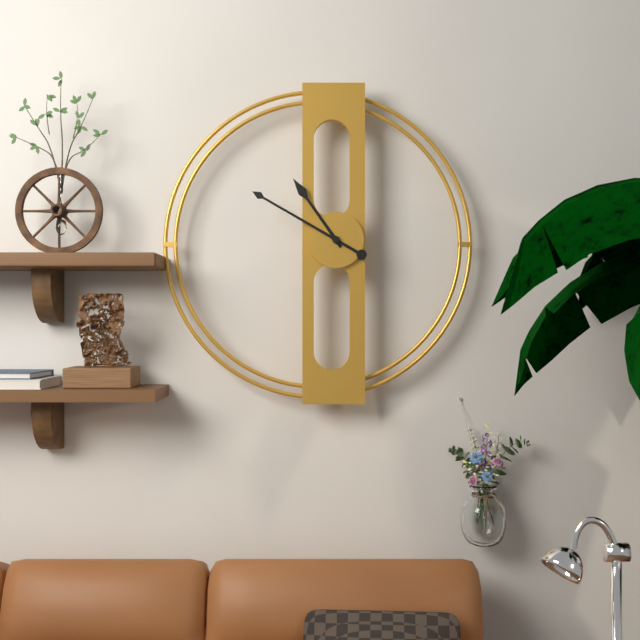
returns 10,50
